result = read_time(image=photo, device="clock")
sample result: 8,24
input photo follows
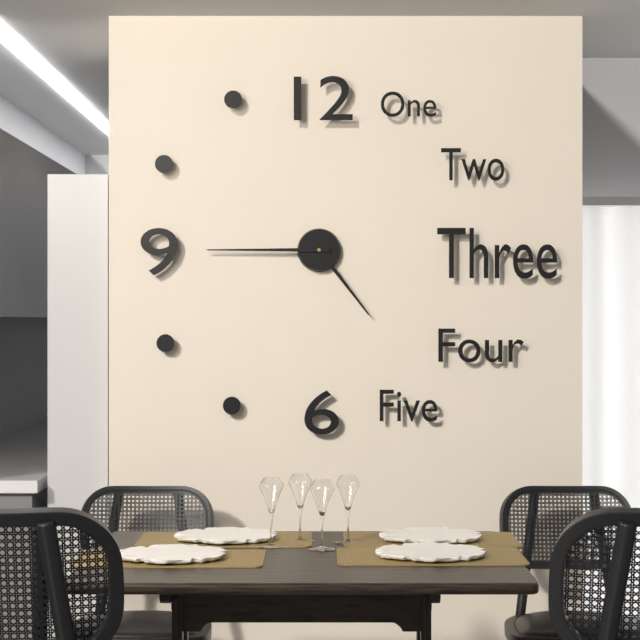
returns 4,45
